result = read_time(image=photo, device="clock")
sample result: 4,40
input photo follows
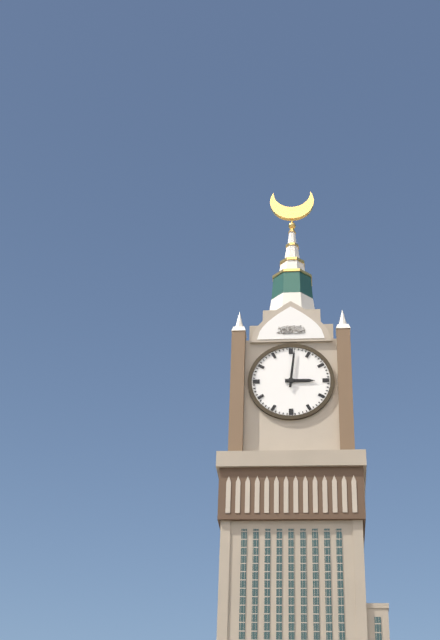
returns 3,01
